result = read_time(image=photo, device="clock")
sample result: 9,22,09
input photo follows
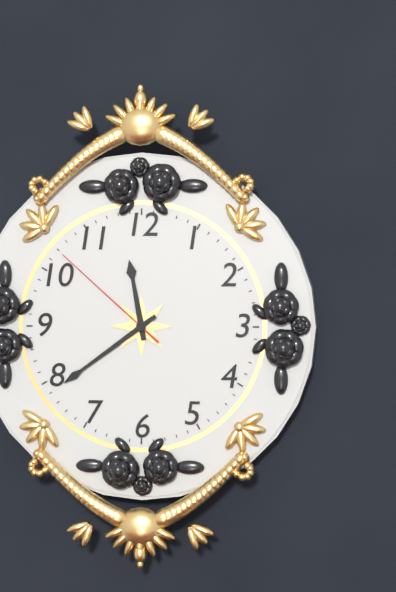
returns 11,39,52
